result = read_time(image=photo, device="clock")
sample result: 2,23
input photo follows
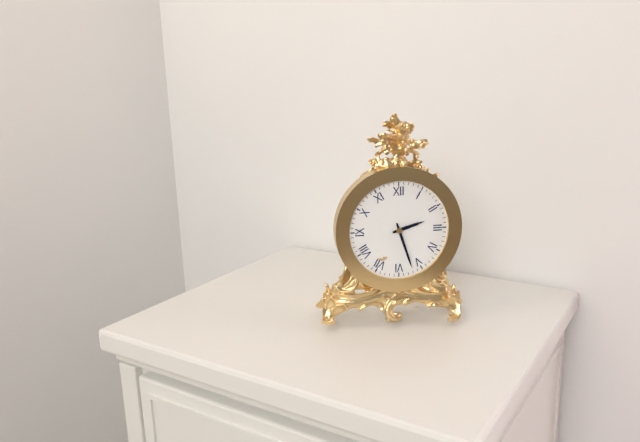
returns 2,27
